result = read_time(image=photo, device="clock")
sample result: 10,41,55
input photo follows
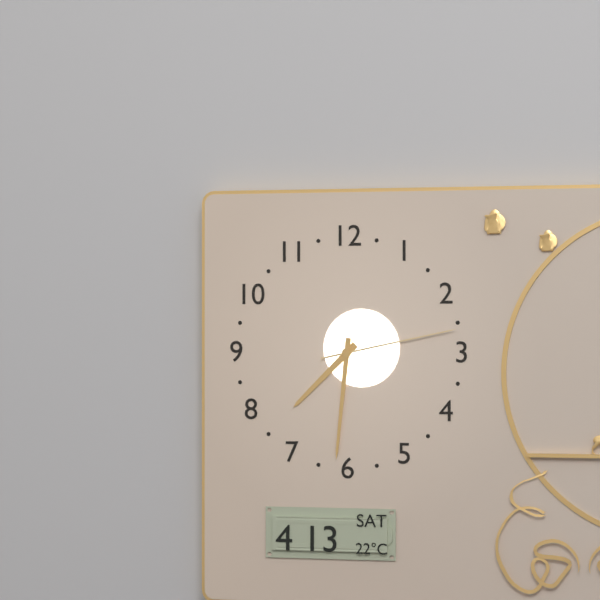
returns 7,31,13
